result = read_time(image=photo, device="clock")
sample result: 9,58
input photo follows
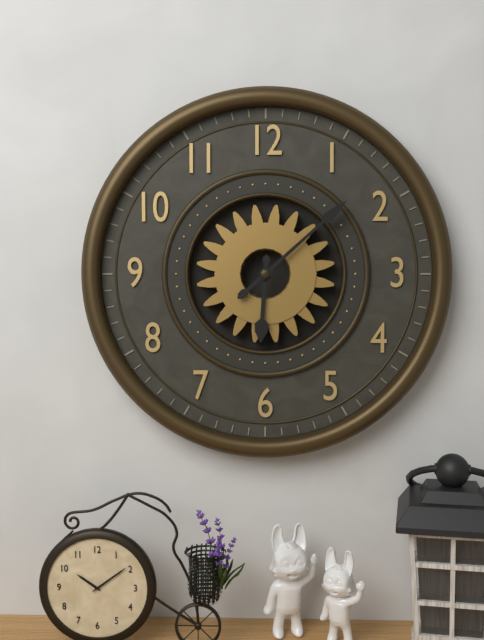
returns 6,08
